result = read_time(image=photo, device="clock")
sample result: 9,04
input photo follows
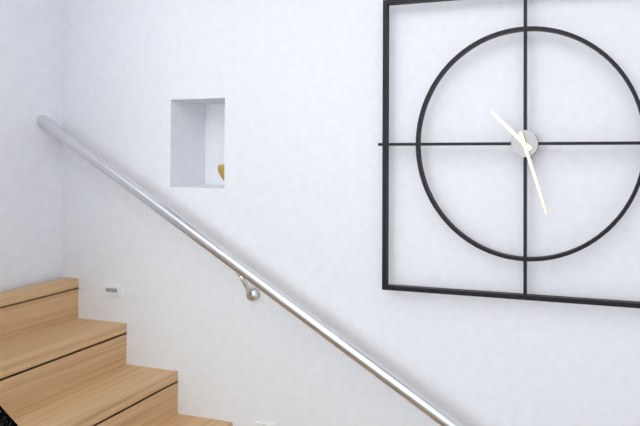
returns 10,27
